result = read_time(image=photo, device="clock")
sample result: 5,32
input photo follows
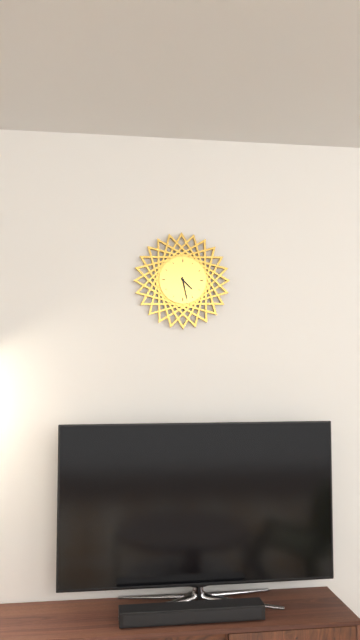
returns 4,28
